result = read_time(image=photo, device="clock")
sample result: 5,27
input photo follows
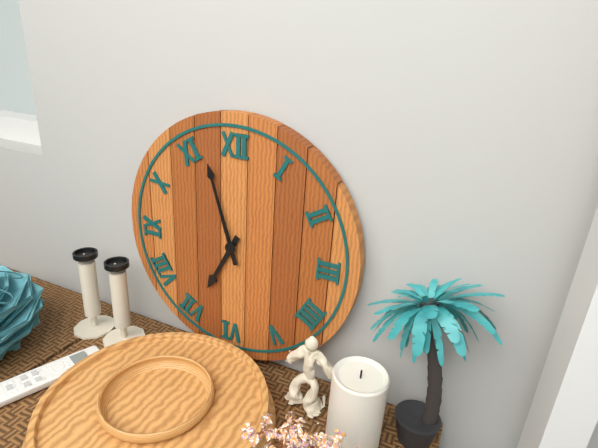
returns 6,57
